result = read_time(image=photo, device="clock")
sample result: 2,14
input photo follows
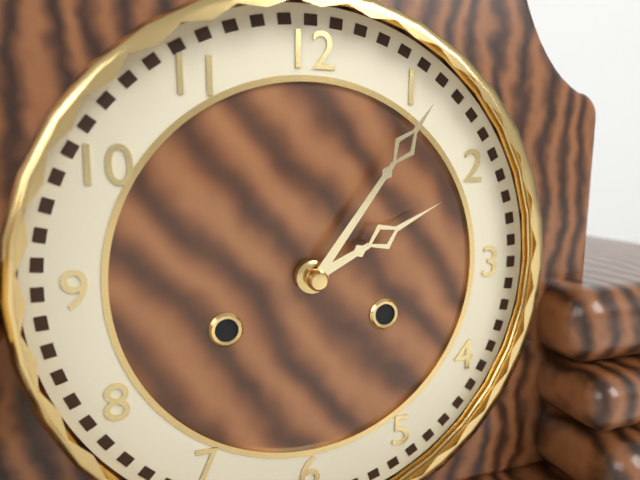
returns 2,06
